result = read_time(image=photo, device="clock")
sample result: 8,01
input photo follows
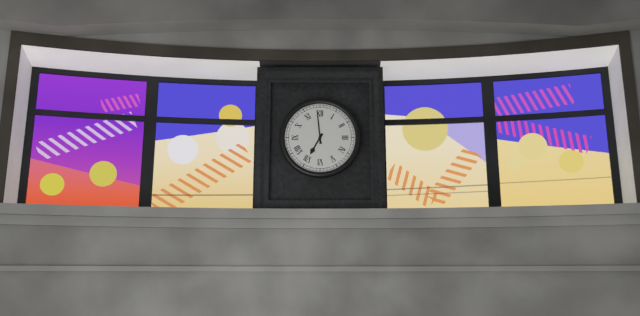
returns 6,59
